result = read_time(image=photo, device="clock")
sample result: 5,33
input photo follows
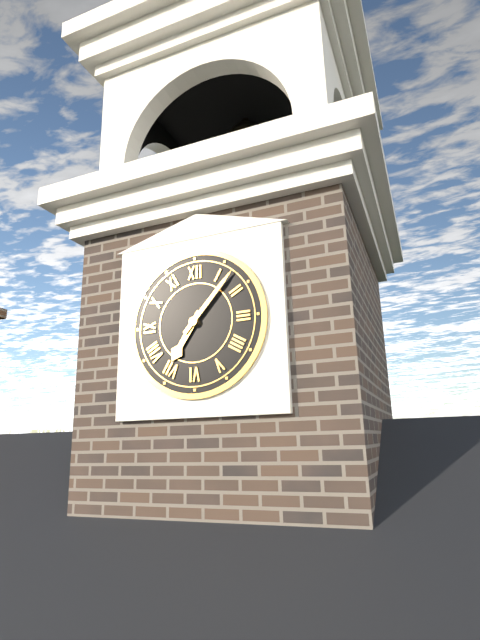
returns 7,07
